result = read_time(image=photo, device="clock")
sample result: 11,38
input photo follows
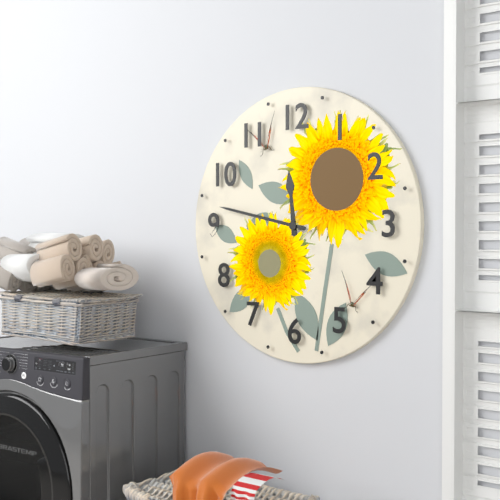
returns 11,47
